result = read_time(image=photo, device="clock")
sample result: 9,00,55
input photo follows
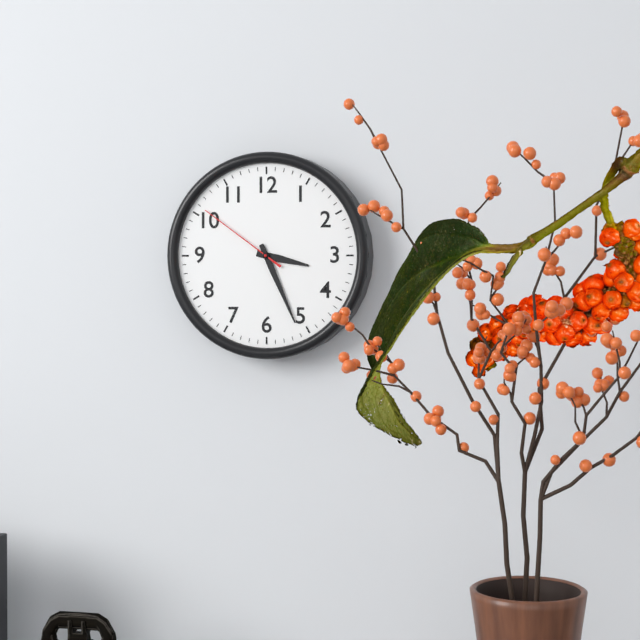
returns 3,26,51
